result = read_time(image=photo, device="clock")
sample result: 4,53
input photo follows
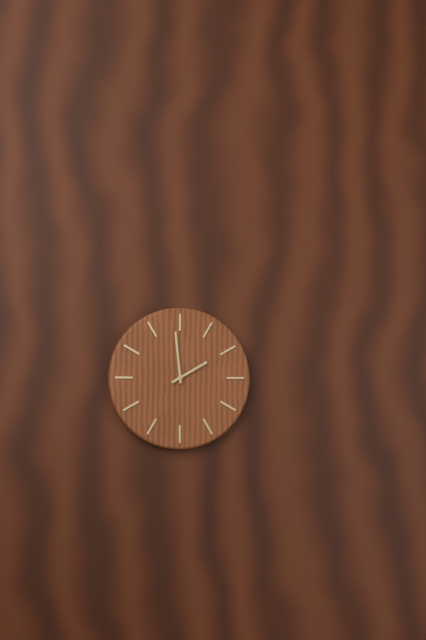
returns 1,59
